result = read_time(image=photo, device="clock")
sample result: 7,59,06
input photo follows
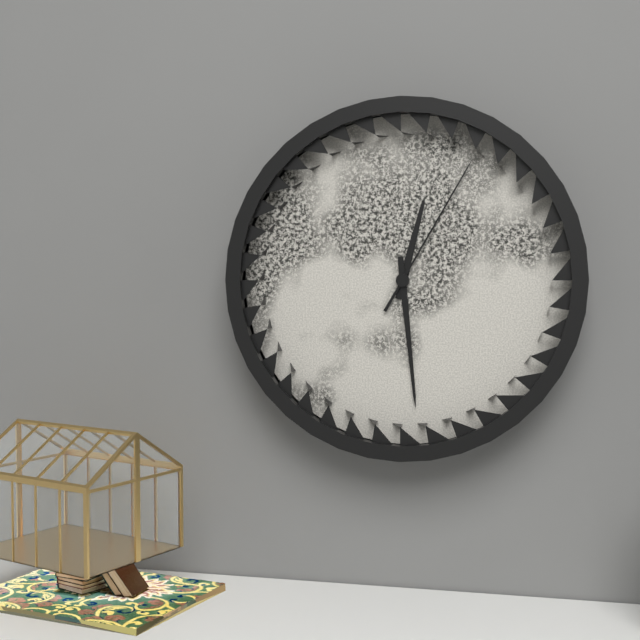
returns 12,29,05
